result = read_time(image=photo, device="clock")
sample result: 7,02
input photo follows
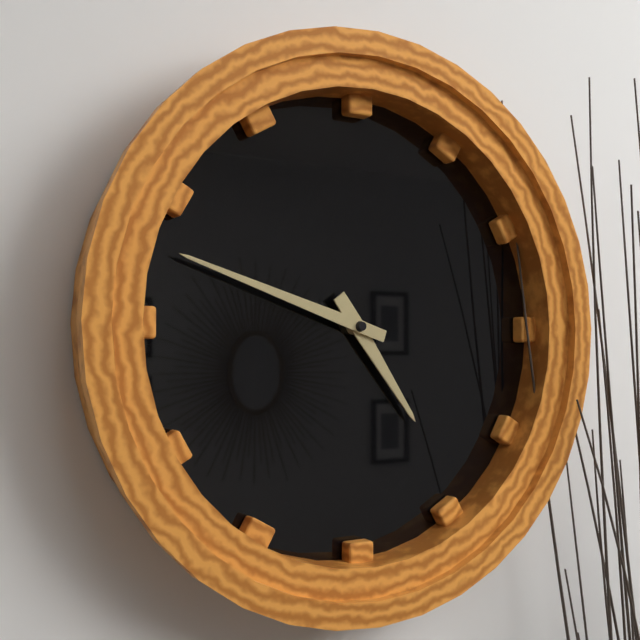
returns 4,48
